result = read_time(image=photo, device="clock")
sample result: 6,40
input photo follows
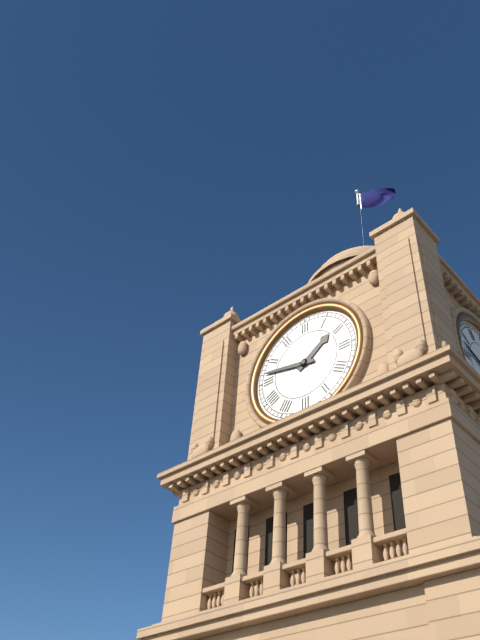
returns 1,47
